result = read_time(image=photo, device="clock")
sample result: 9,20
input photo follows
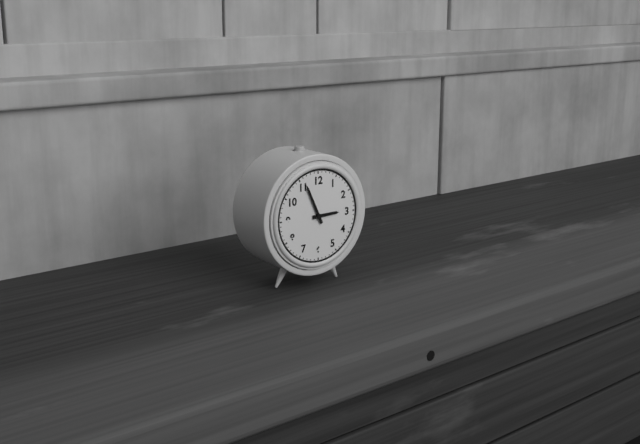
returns 2,56
